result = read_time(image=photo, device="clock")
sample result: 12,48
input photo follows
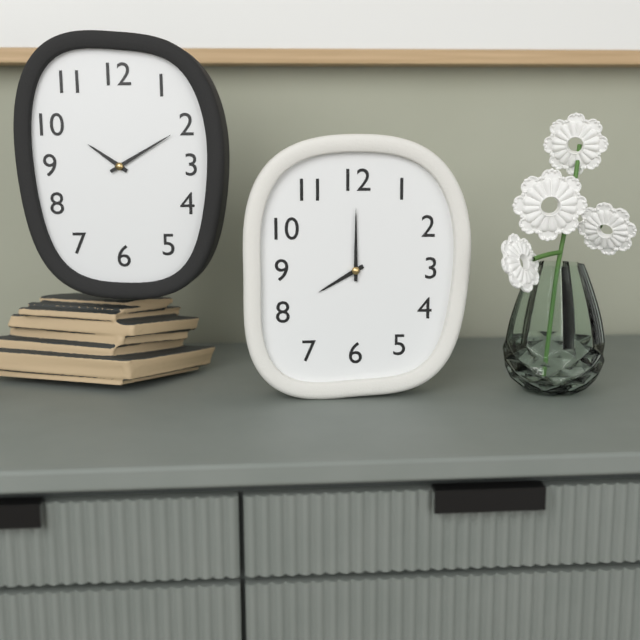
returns 8,00
